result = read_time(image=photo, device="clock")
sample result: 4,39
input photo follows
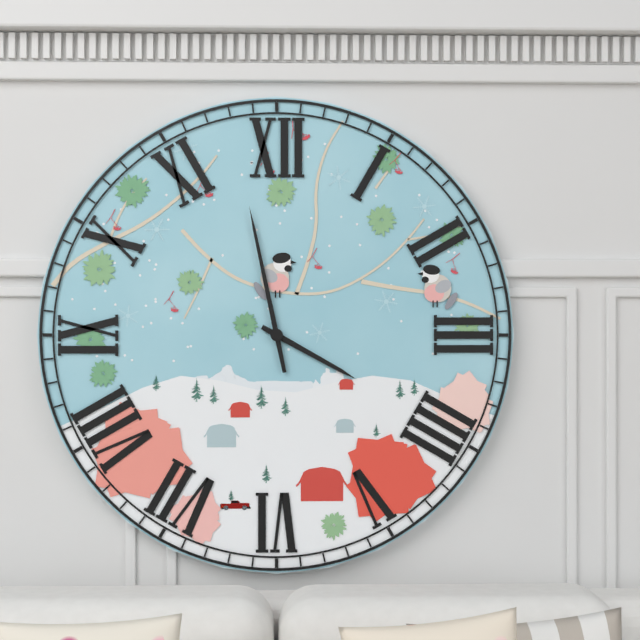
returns 3,58
